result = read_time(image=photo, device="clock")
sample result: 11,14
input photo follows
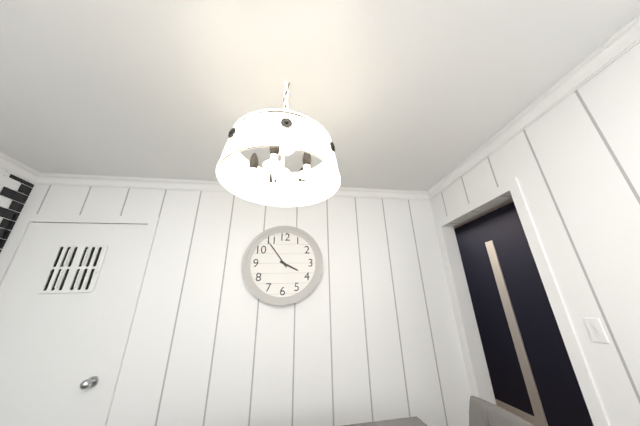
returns 3,54
